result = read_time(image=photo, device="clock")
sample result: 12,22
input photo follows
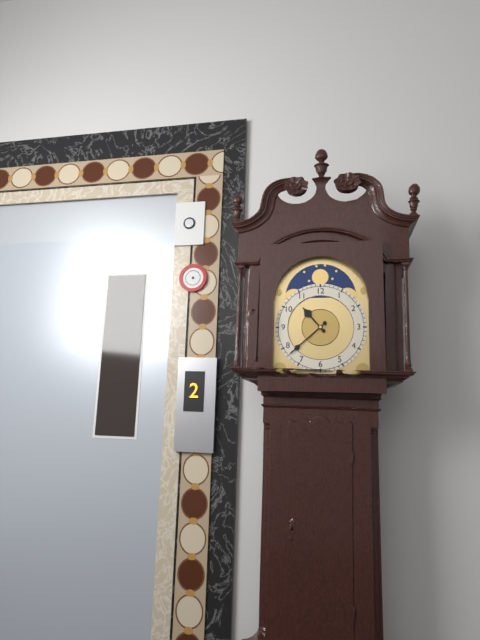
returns 10,38
